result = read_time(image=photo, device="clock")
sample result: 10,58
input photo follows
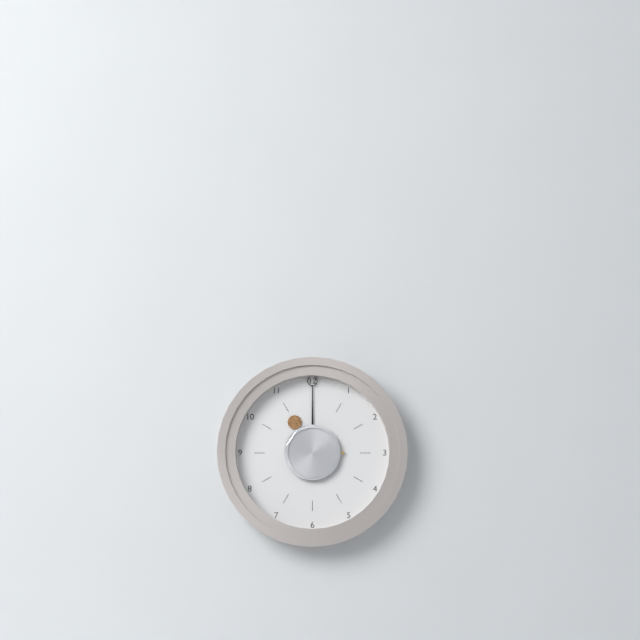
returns 11,00
